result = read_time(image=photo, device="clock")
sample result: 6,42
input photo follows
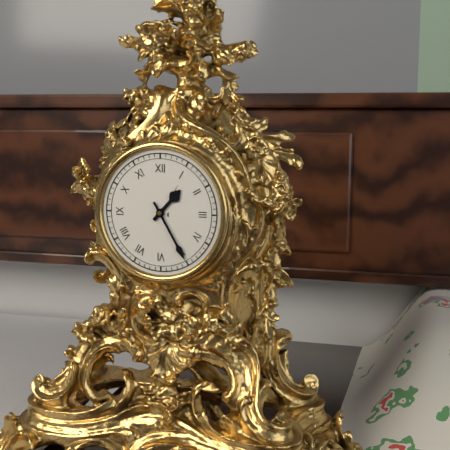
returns 1,25
